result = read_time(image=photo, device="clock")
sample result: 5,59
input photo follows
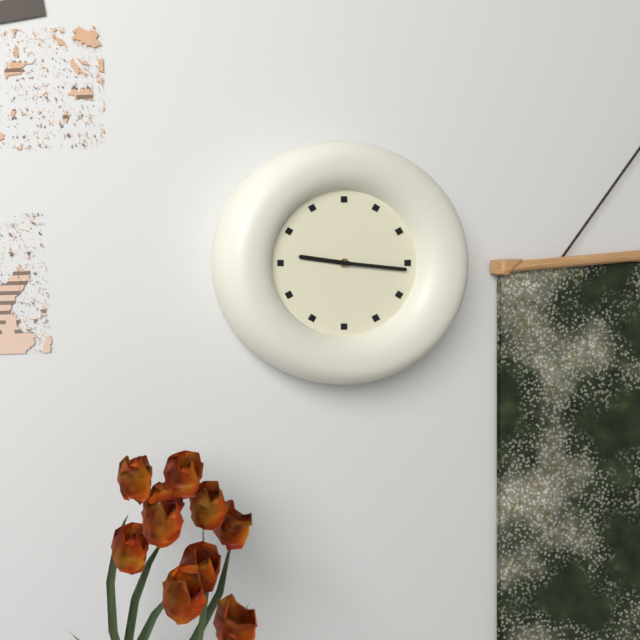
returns 9,16
